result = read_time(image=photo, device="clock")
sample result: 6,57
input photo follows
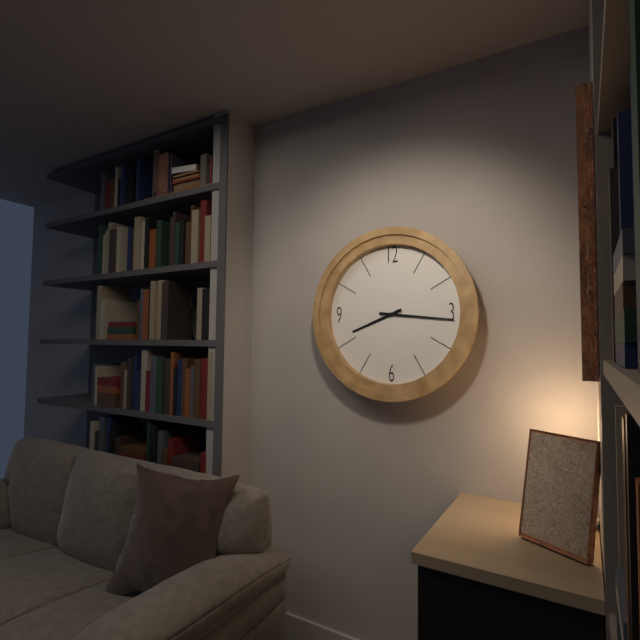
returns 8,16
